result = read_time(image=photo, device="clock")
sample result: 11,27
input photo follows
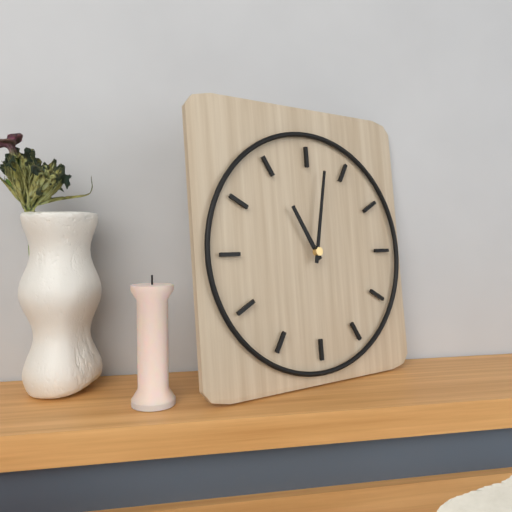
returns 11,02
